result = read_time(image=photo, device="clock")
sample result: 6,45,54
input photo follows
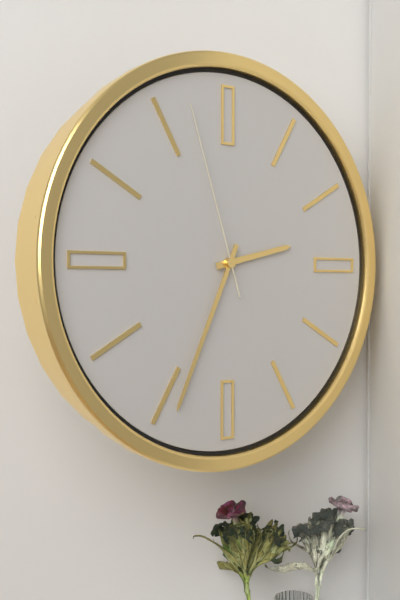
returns 2,34,57
